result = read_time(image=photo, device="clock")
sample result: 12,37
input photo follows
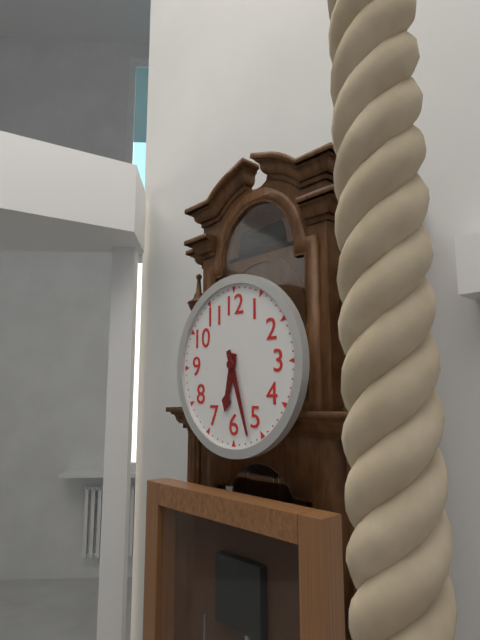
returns 6,27
